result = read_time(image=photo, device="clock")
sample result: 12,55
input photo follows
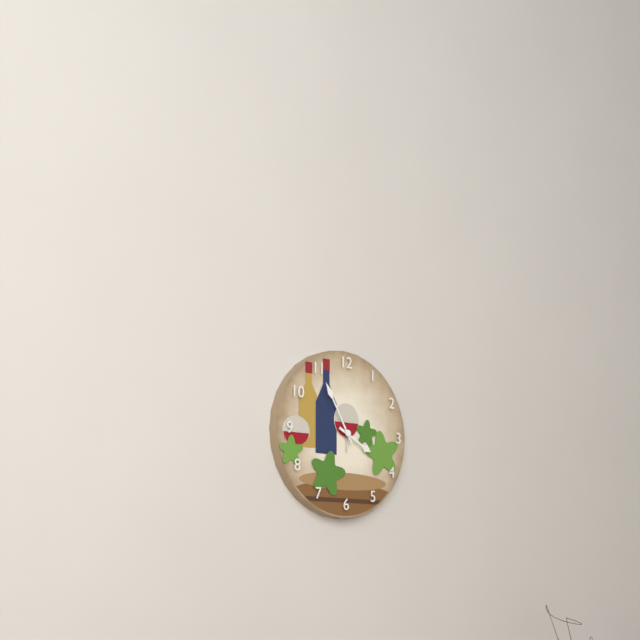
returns 3,55
